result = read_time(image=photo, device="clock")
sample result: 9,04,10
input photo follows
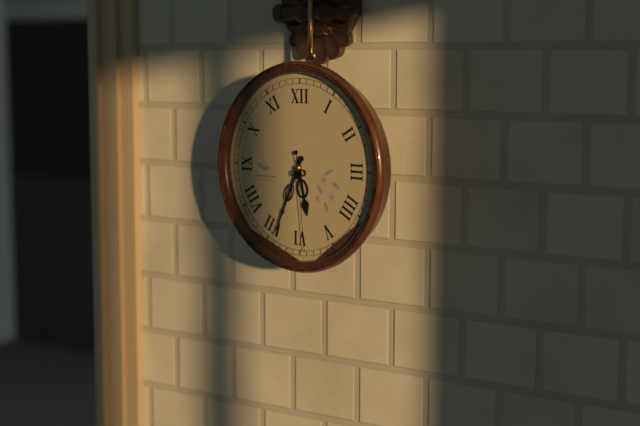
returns 5,34,29
